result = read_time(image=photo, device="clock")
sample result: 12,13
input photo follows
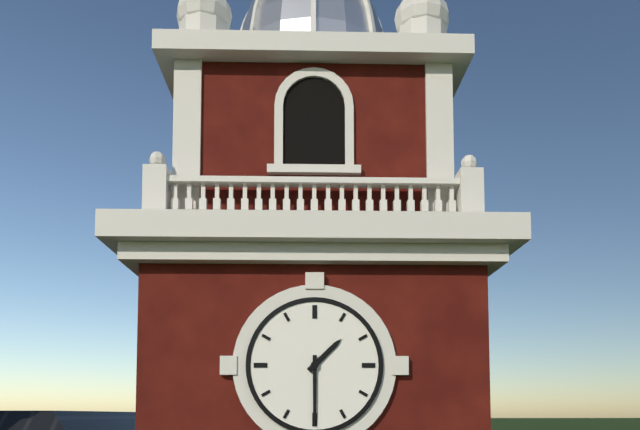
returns 1,30
